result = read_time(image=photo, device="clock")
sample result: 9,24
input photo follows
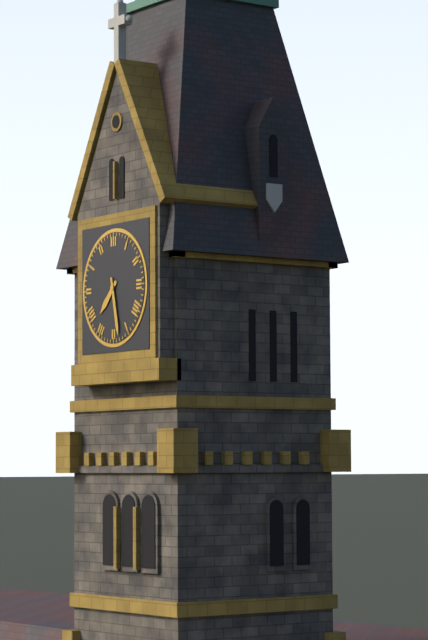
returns 7,28
